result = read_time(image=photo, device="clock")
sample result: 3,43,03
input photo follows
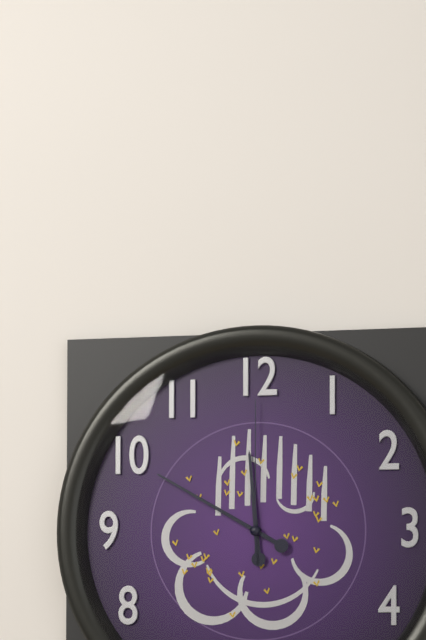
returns 11,50,00
